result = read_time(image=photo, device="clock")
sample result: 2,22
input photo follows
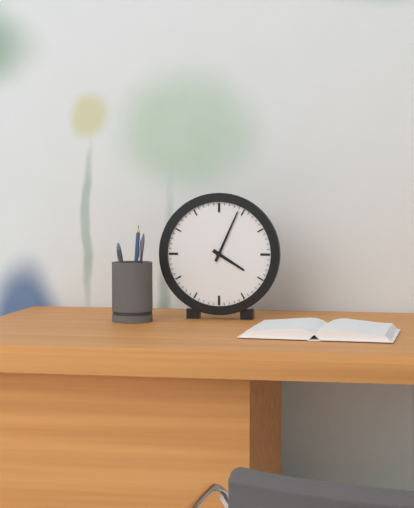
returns 4,04
